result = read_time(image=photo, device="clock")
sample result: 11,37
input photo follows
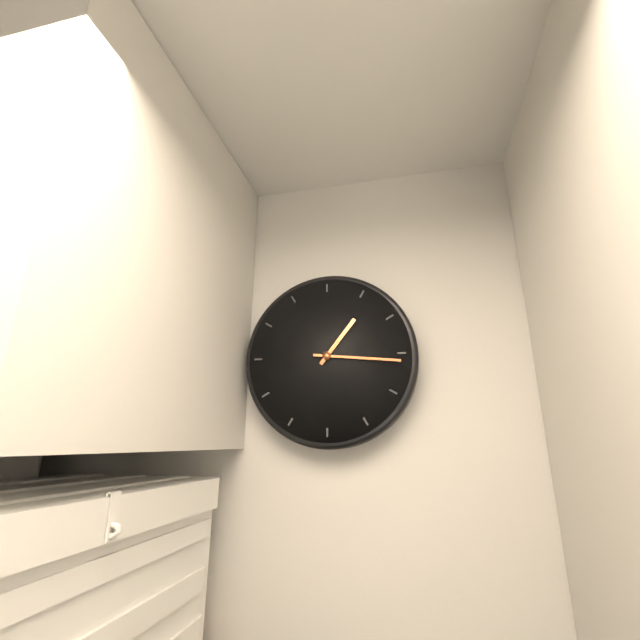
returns 1,16
